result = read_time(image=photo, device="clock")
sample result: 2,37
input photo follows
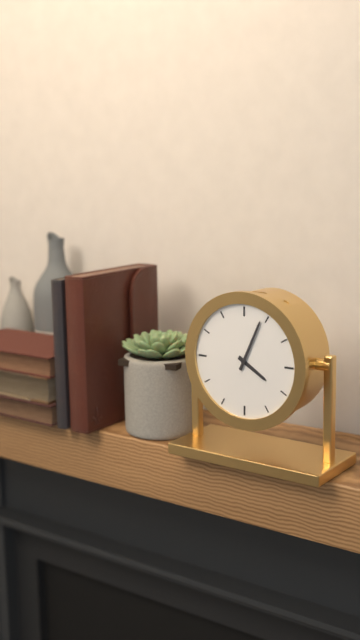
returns 4,04
